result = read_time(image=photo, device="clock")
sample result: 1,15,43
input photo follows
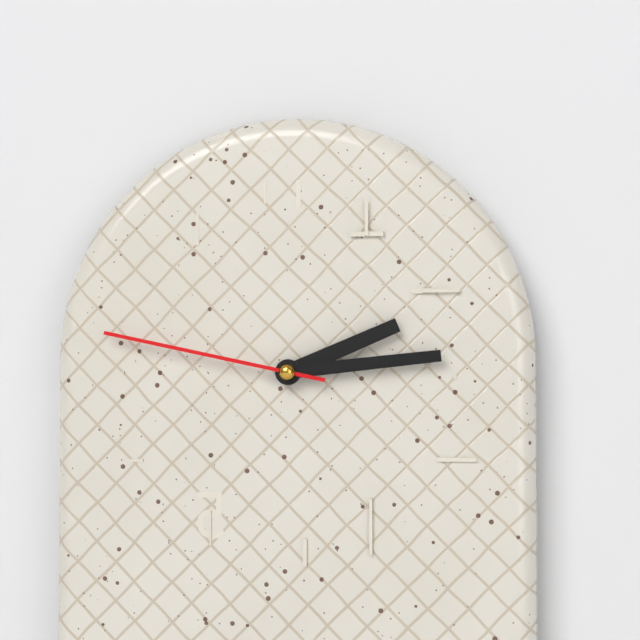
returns 2,14,47
